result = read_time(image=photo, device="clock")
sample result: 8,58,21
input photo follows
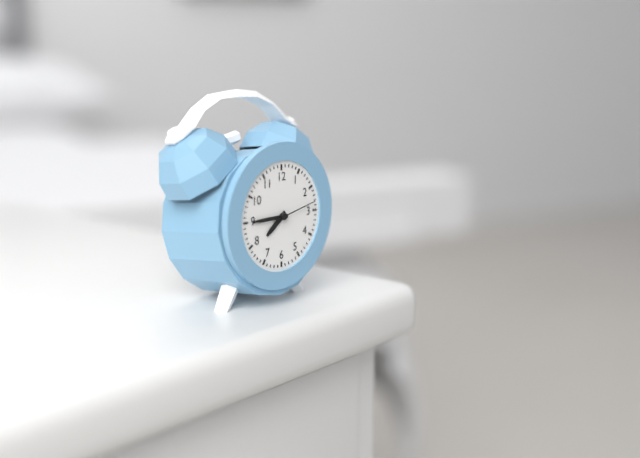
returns 7,45,13
